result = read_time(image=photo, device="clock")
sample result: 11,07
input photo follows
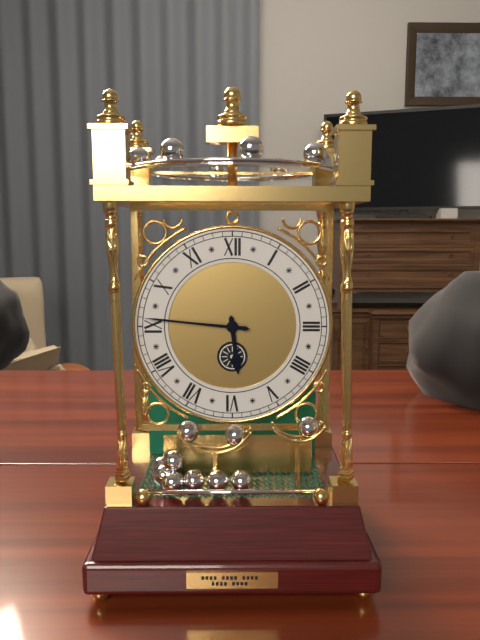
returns 5,46
